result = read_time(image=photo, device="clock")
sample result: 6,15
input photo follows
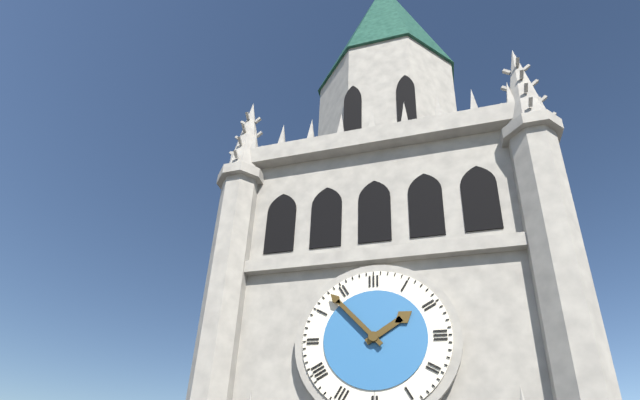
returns 1,53
